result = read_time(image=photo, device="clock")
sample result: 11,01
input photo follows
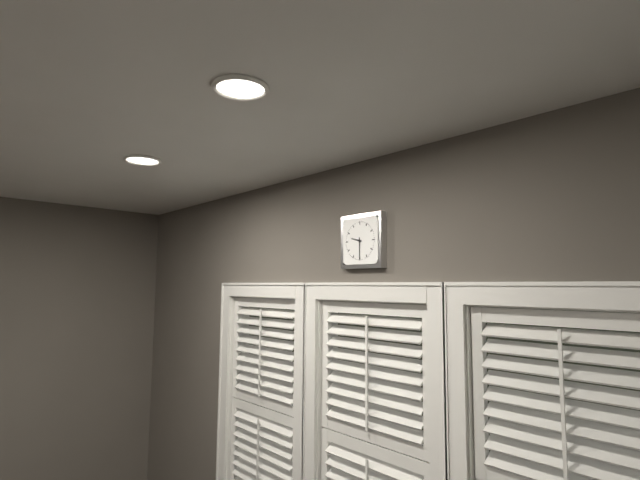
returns 9,30
